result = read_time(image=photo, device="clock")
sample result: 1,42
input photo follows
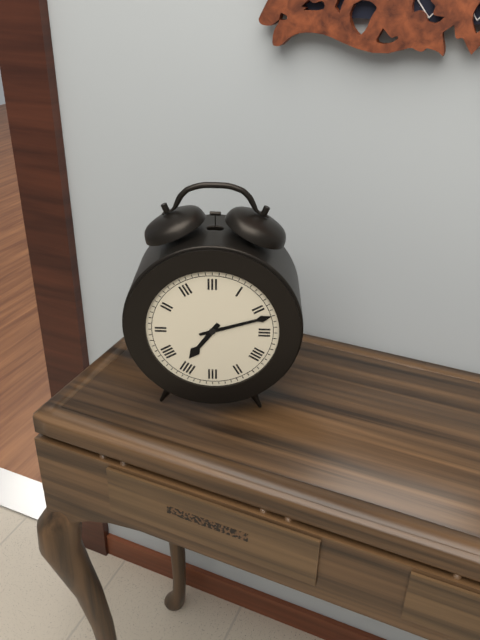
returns 7,12
